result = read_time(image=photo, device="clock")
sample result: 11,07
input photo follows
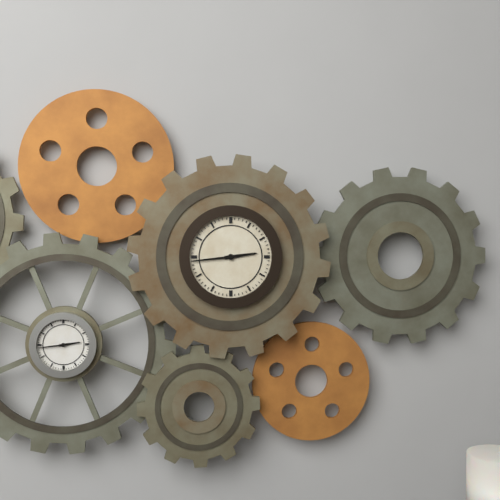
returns 2,44
